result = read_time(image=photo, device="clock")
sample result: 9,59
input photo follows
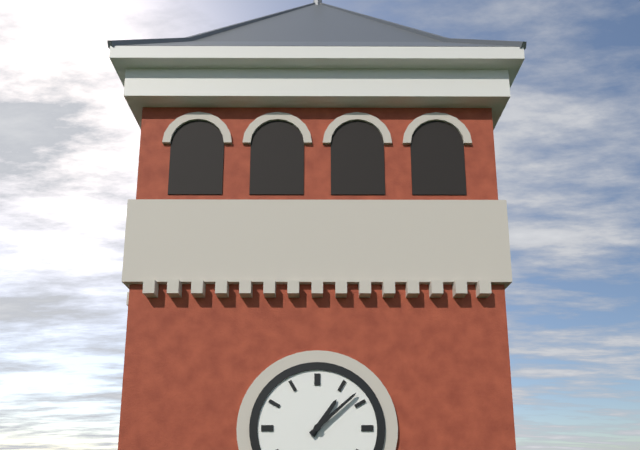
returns 1,08
